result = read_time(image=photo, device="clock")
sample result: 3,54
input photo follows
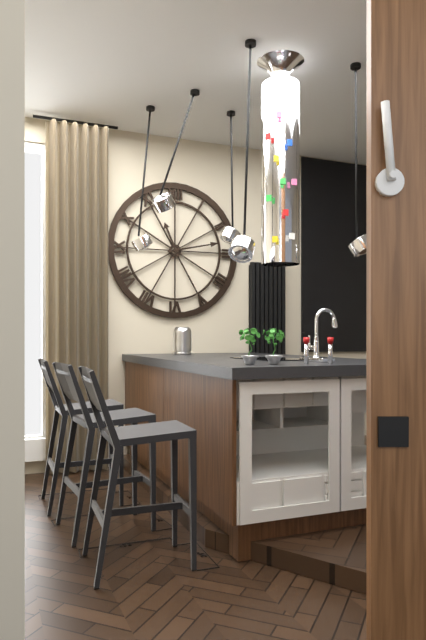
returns 11,13
